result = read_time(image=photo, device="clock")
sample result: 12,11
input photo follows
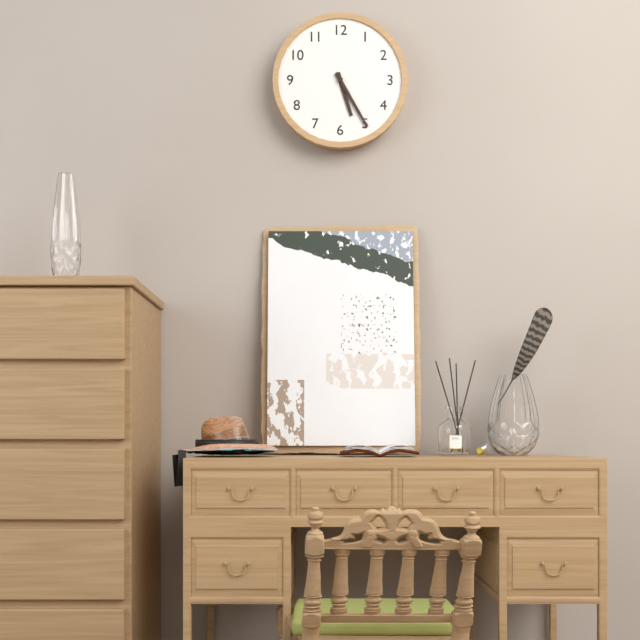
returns 5,25
